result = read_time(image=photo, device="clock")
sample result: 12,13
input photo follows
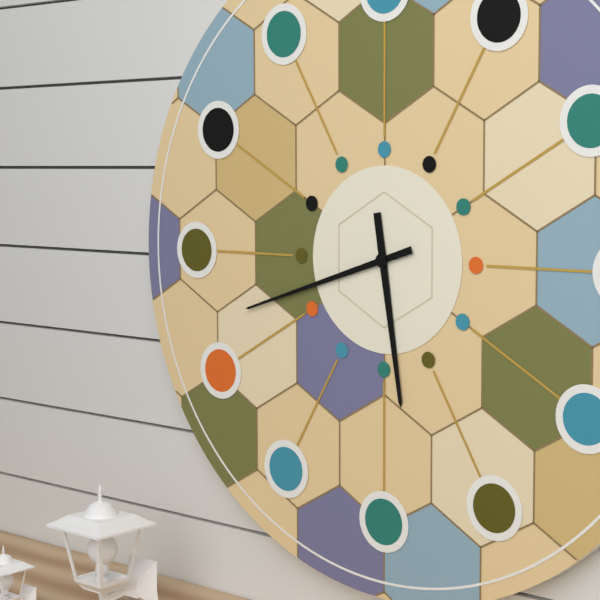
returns 5,42
